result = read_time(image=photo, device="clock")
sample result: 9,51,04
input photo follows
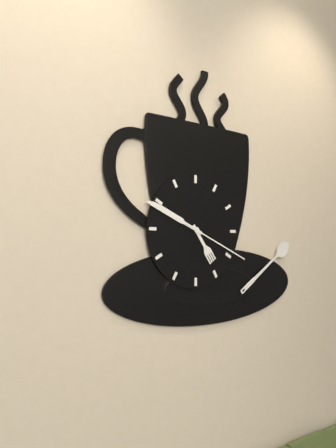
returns 4,49,19
